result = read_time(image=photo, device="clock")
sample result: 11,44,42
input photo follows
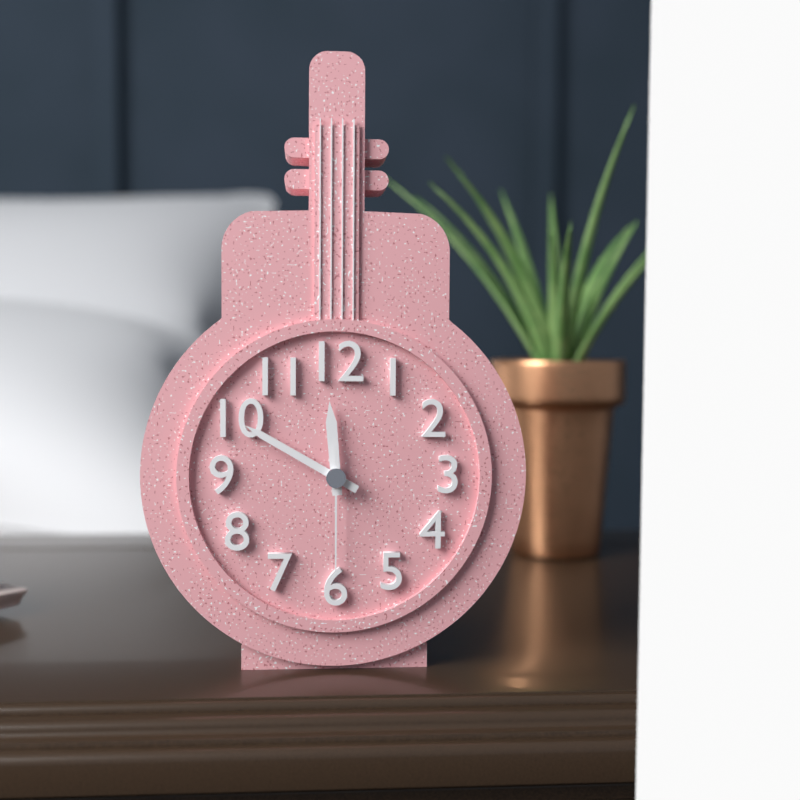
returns 11,50,30
